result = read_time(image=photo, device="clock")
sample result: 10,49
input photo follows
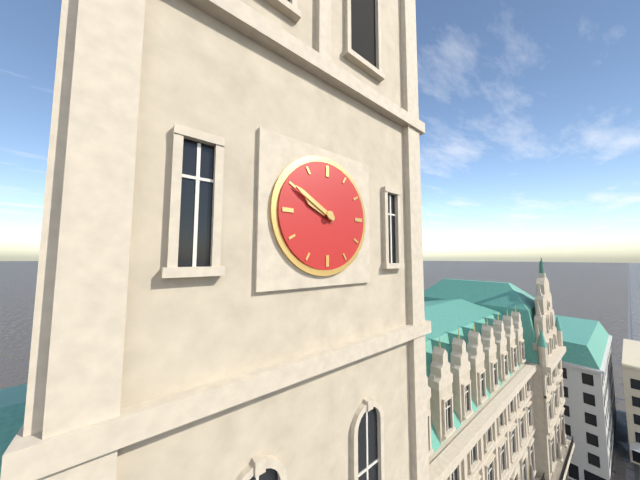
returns 9,50
